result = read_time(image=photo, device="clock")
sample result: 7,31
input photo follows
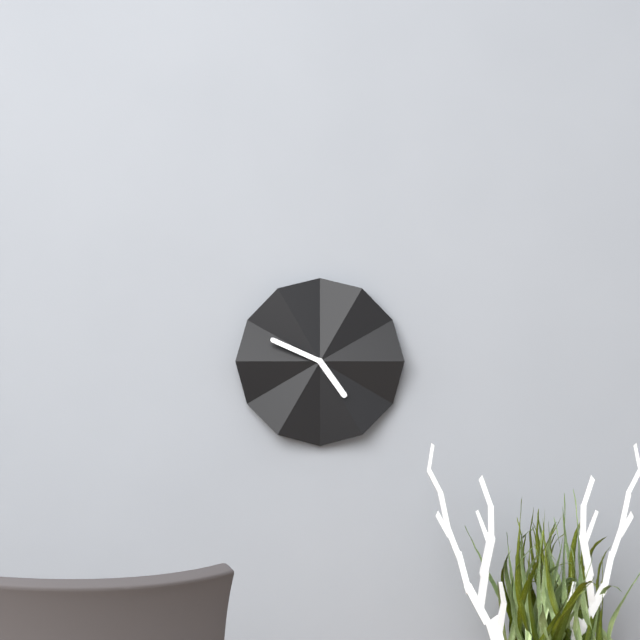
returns 4,49
